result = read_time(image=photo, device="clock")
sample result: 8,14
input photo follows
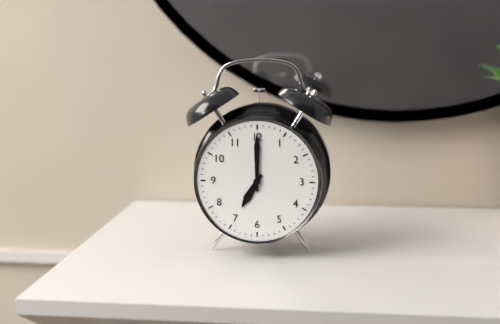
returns 7,00
